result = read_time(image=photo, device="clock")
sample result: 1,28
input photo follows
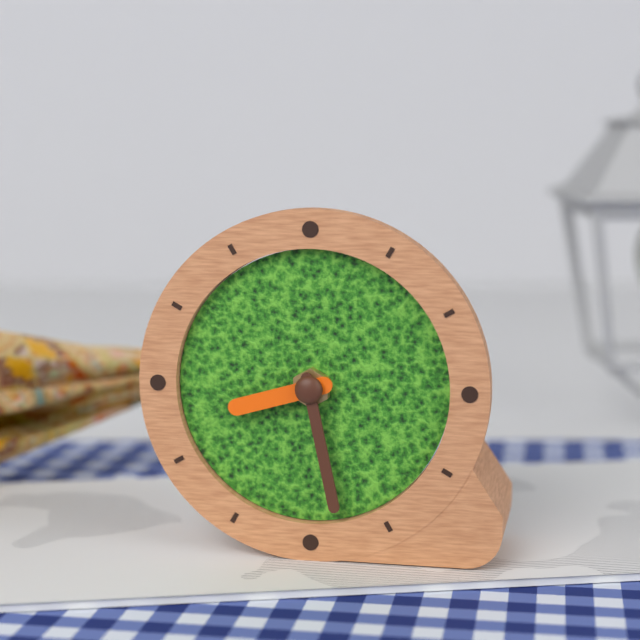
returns 8,28
